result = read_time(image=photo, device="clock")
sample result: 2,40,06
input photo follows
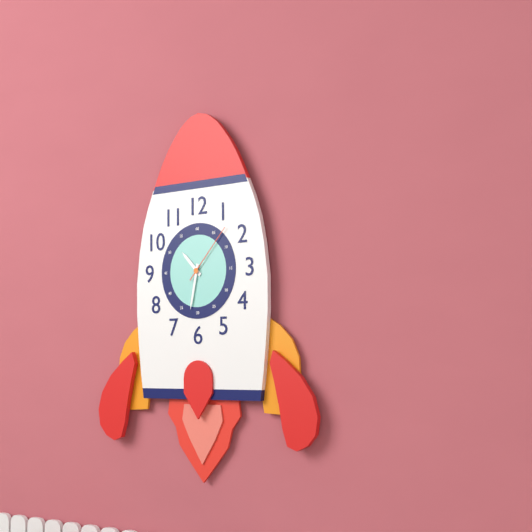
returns 10,32,07
